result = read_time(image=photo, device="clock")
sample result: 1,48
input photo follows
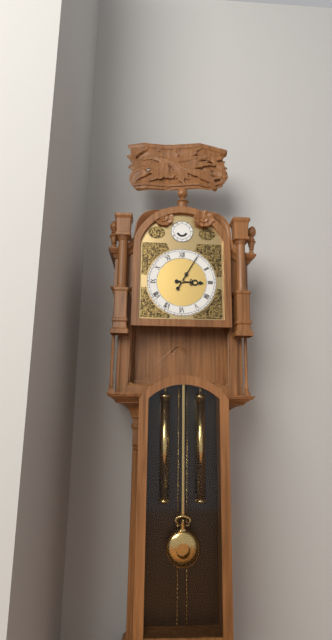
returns 3,05
